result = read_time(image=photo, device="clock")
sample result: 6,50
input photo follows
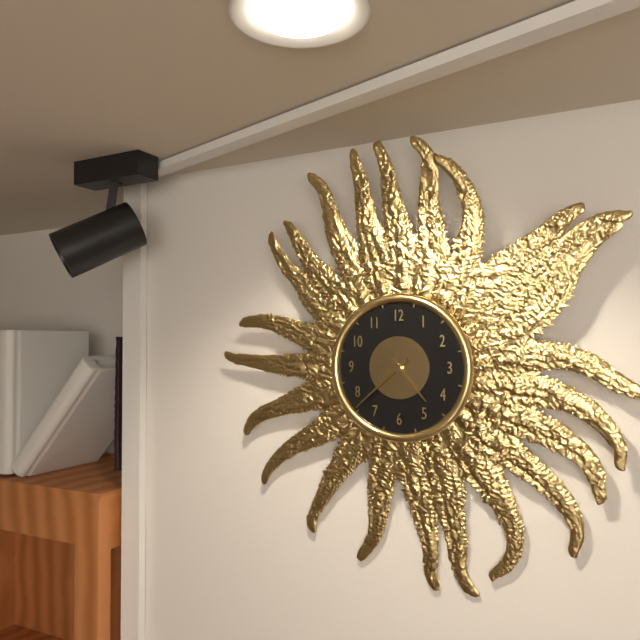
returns 4,38
